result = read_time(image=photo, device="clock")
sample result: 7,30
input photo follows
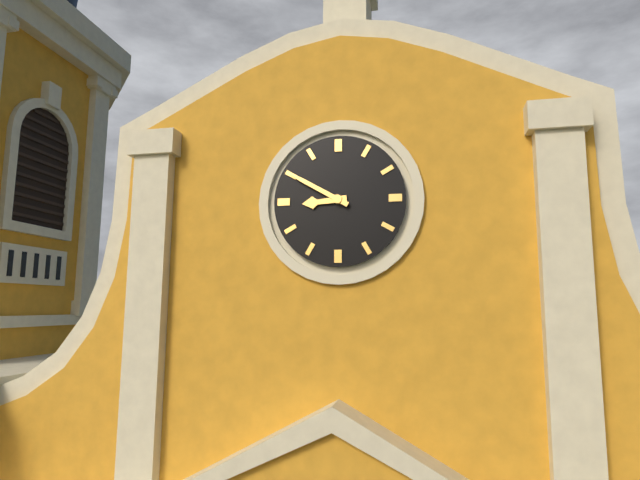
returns 8,50
